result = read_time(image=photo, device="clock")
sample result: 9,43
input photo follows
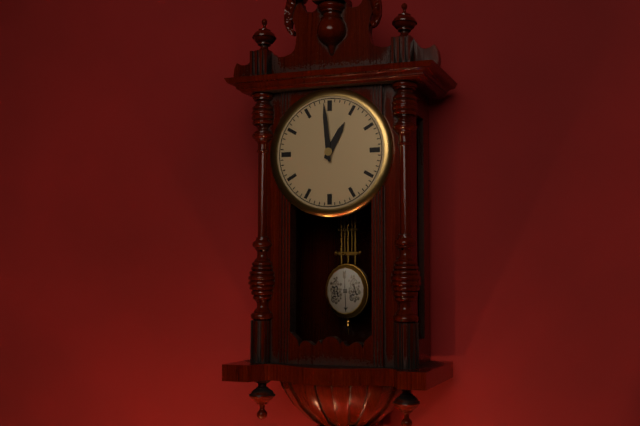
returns 12,59
